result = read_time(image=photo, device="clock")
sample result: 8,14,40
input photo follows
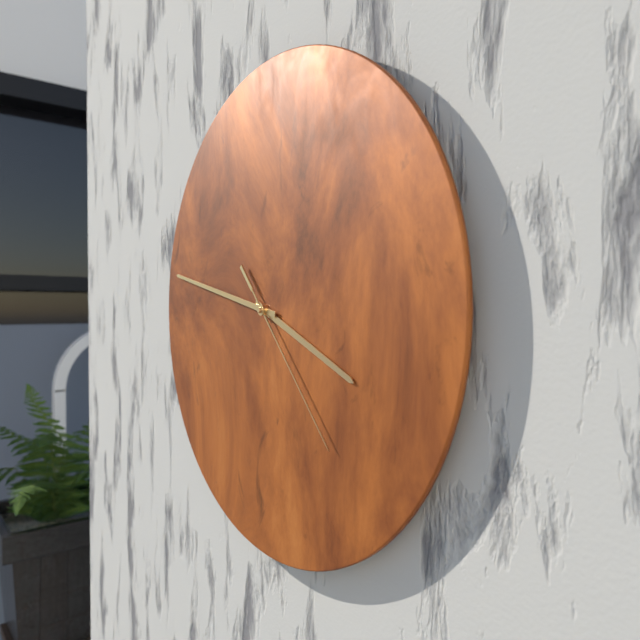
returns 3,47,23
